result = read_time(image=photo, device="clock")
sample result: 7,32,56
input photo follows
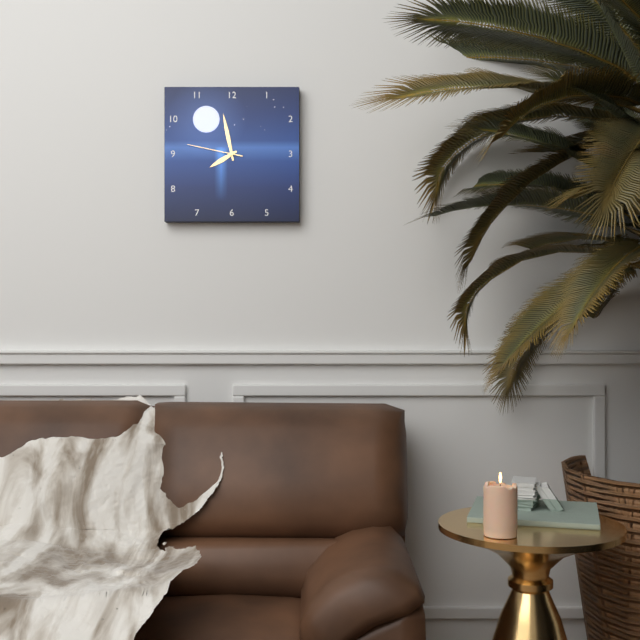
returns 7,58,47
